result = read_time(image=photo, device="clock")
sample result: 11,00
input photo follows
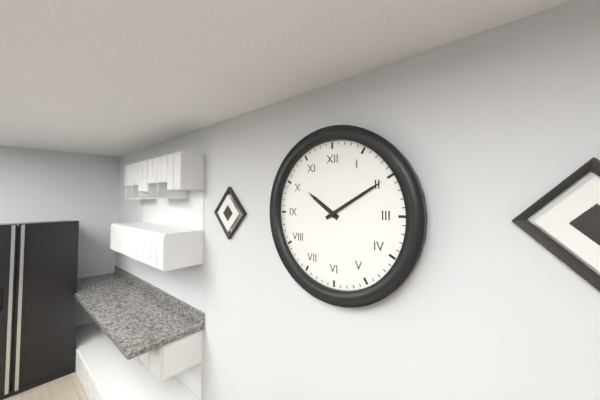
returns 10,10
